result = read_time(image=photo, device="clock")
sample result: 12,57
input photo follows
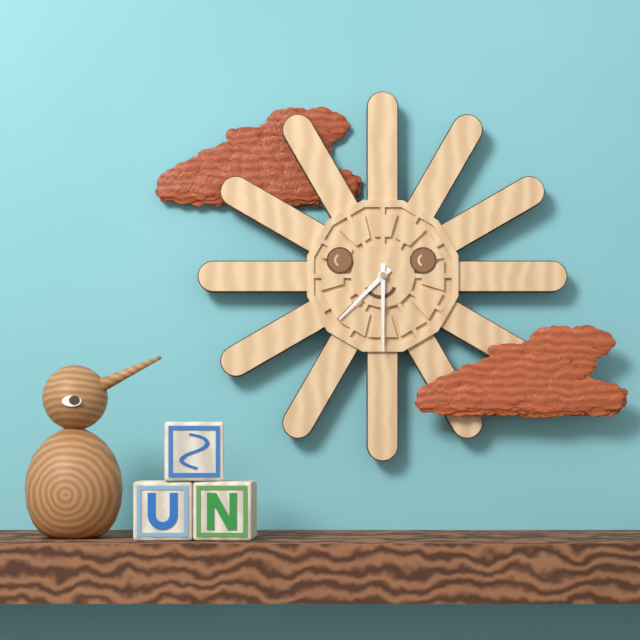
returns 7,30
